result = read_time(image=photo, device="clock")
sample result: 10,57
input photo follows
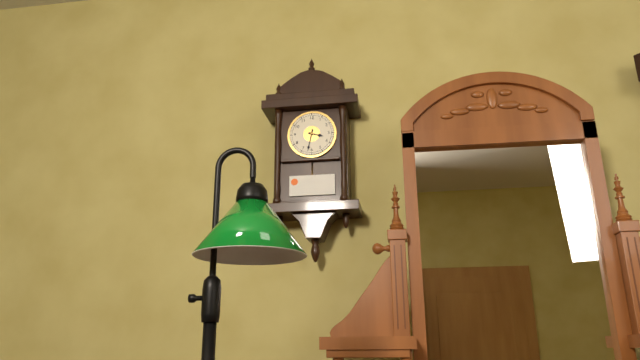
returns 3,32
